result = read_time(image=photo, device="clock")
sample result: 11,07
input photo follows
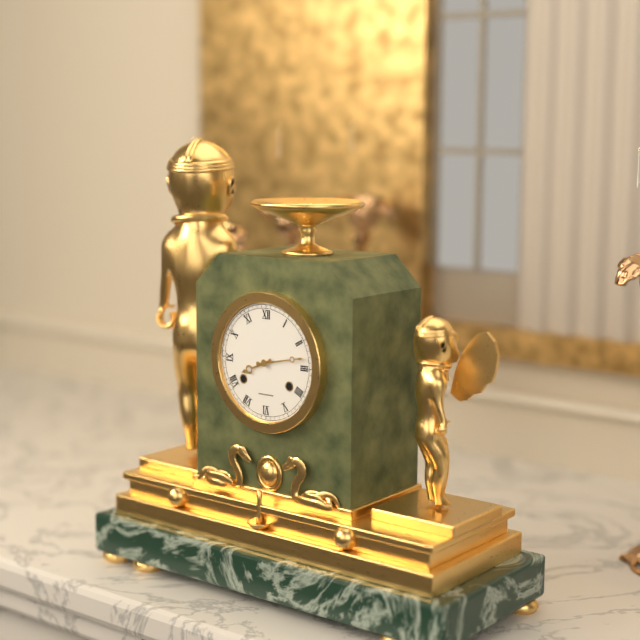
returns 8,13
